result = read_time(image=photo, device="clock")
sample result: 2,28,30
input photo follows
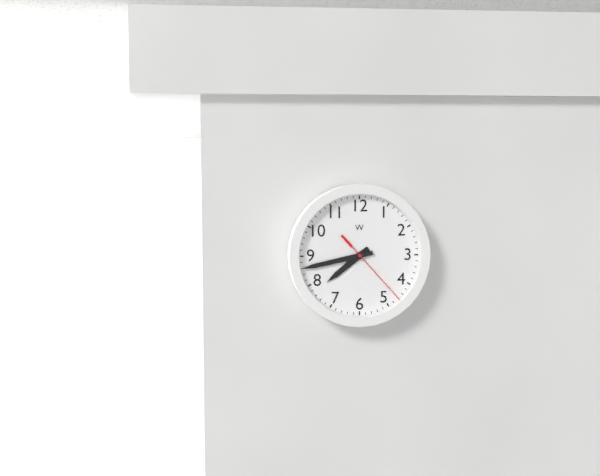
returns 7,43,23
